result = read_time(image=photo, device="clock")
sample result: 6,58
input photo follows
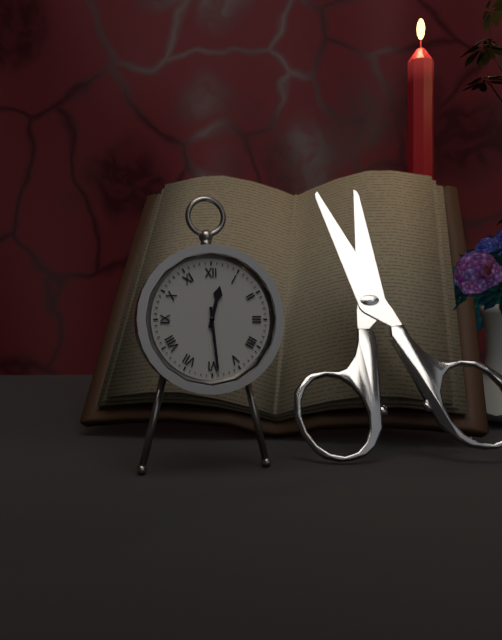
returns 12,29
